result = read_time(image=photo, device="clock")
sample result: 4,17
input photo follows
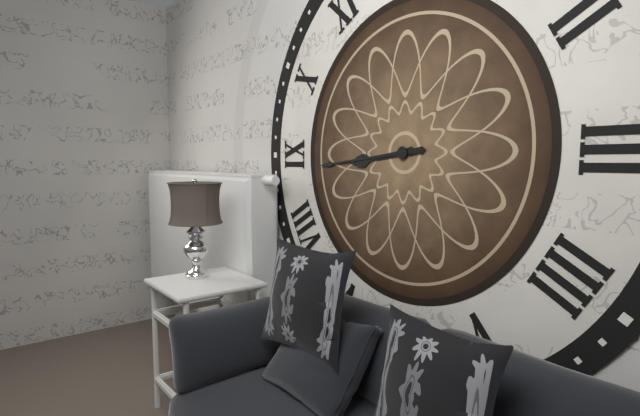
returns 8,44
